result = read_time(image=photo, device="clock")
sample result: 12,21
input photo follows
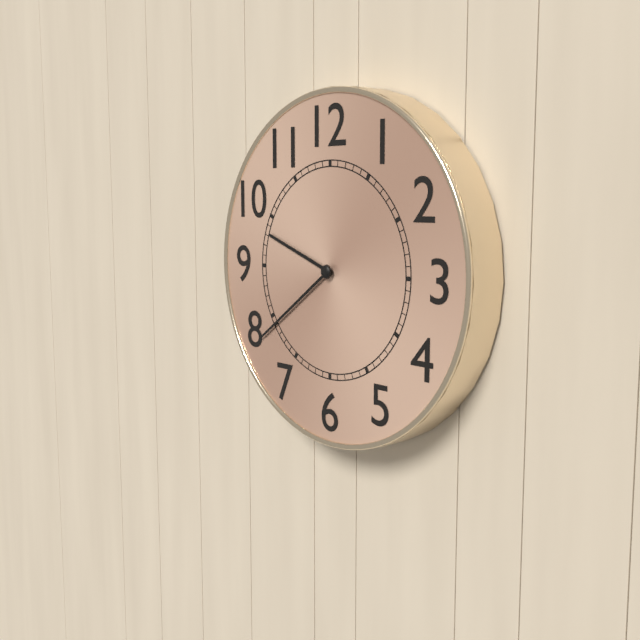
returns 9,39
